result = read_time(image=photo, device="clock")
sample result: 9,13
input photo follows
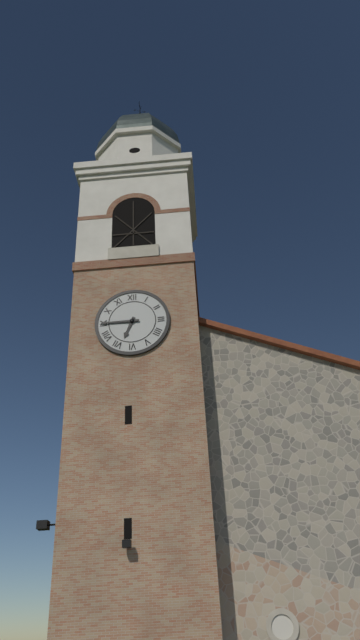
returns 6,45
